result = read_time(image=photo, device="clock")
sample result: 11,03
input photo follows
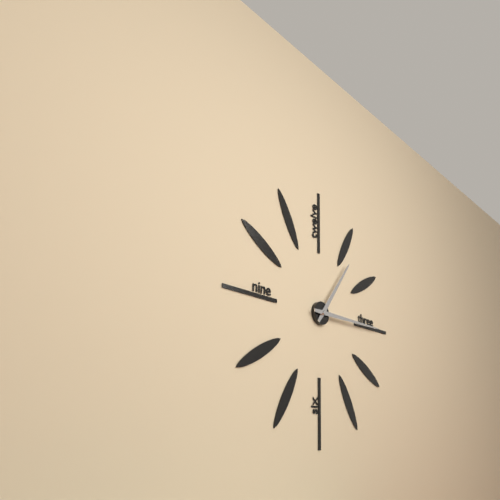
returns 1,15
